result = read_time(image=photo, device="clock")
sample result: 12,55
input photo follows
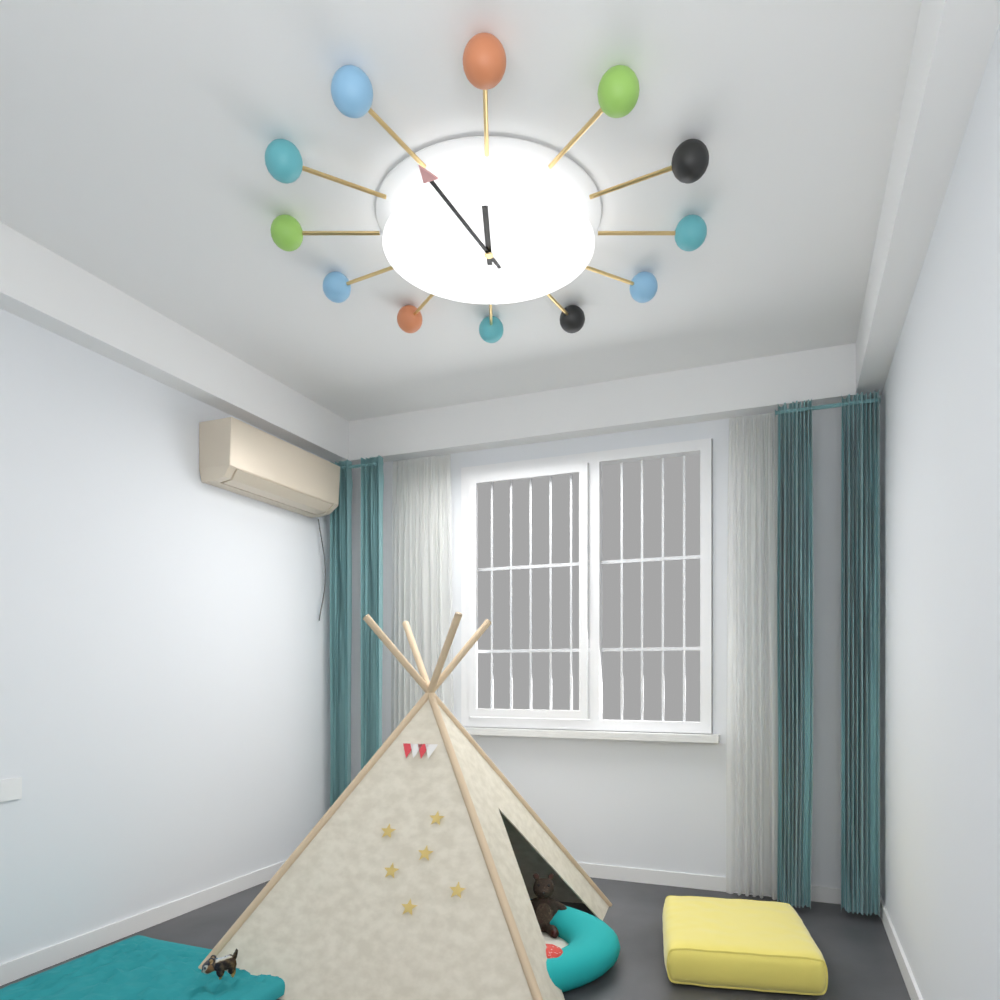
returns 11,56
